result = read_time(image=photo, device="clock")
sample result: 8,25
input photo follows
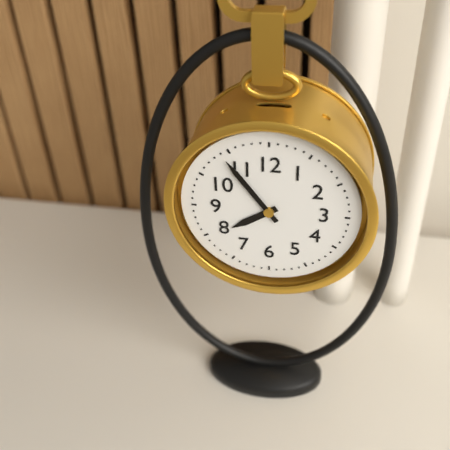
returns 7,54
